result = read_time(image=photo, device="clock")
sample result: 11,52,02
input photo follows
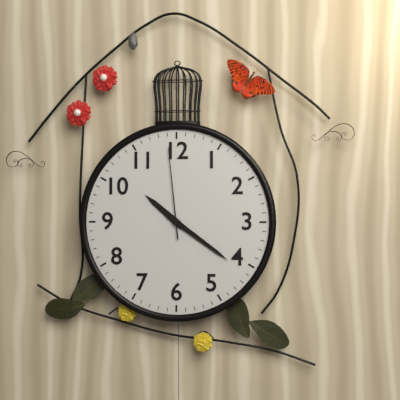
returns 10,21,59
